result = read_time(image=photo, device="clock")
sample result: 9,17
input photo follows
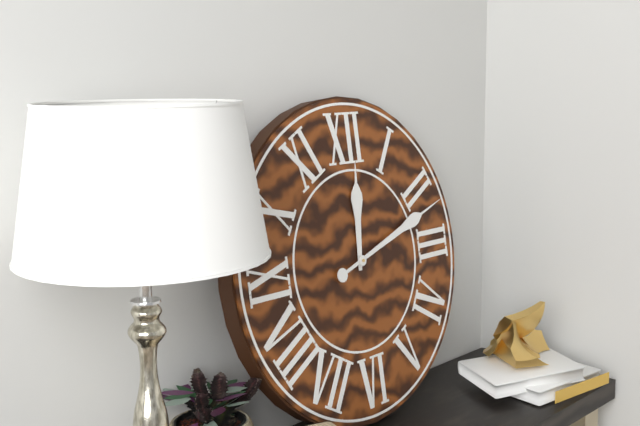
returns 12,12
